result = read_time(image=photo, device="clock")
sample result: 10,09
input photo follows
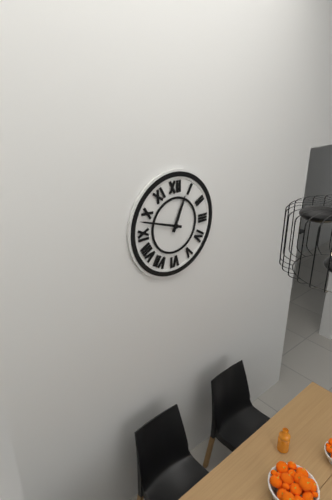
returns 12,48
